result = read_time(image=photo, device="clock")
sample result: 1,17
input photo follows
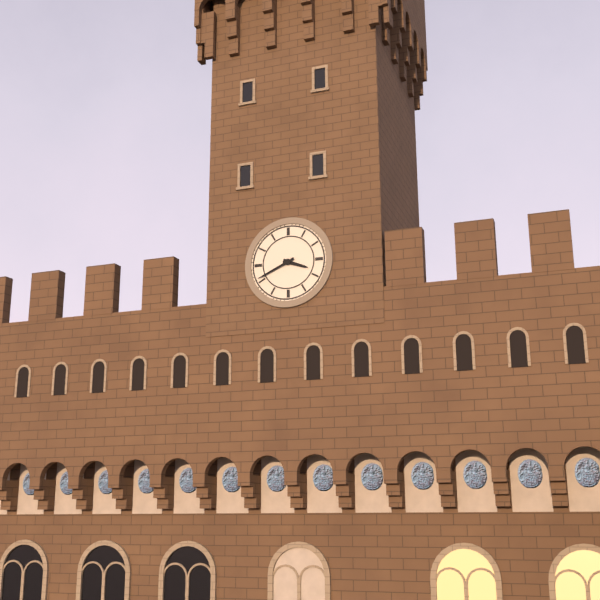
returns 3,41
